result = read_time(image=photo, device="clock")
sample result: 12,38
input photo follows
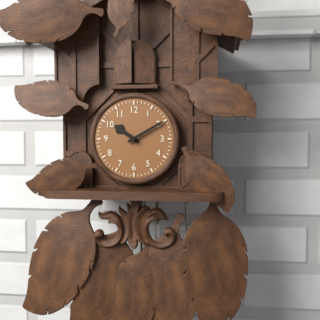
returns 10,10
